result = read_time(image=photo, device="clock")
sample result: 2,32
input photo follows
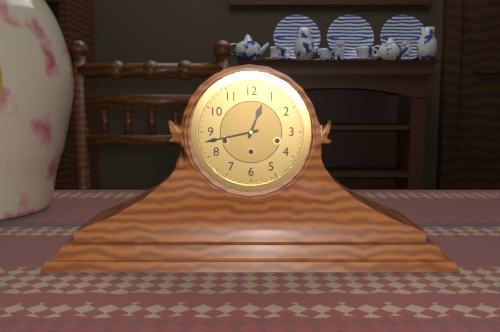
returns 12,43
